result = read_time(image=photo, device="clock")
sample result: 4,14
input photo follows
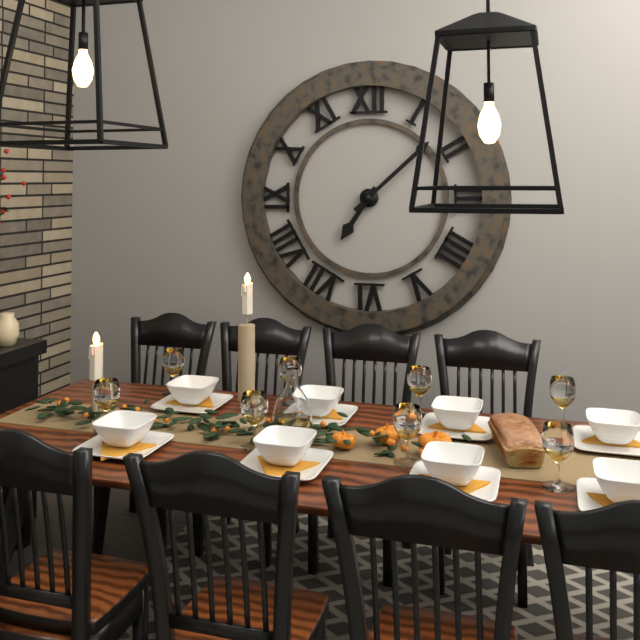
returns 7,08
